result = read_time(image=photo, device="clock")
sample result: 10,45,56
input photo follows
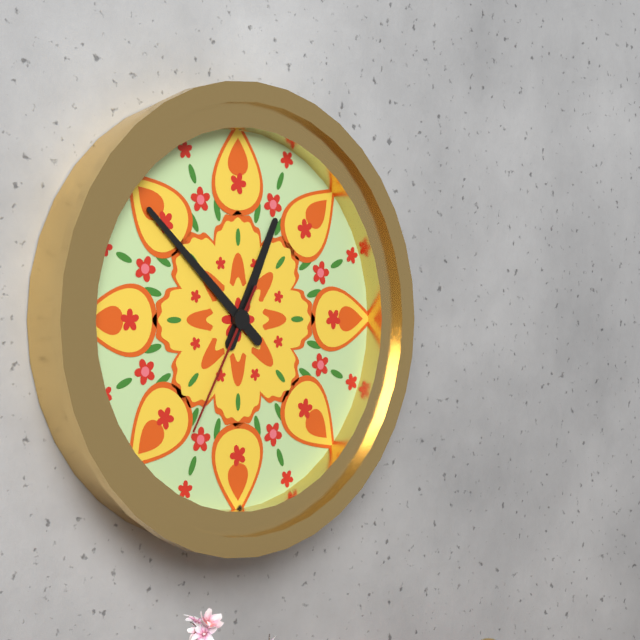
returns 12,52,35
